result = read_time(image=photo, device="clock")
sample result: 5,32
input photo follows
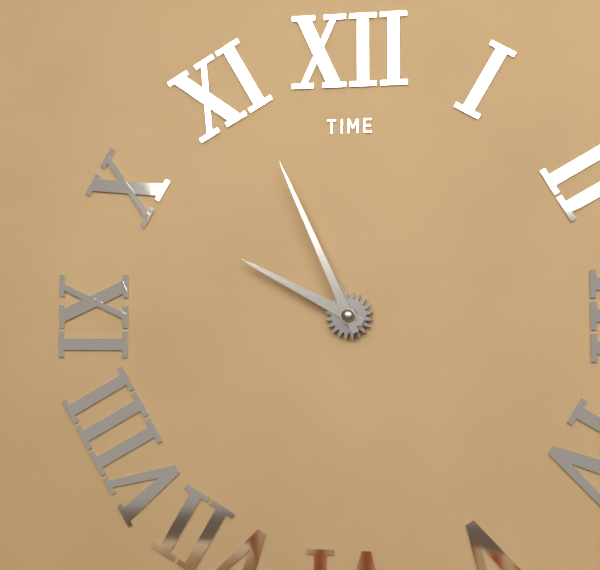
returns 9,56
